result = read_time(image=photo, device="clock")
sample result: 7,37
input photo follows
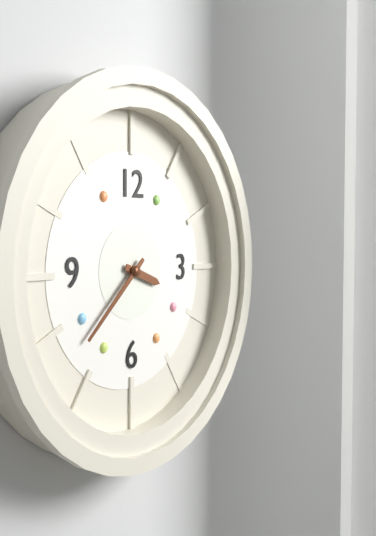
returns 3,38
